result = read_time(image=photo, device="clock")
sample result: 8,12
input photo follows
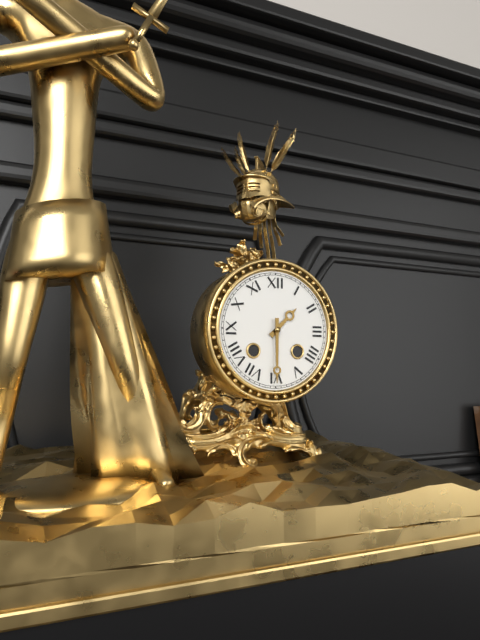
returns 1,30
